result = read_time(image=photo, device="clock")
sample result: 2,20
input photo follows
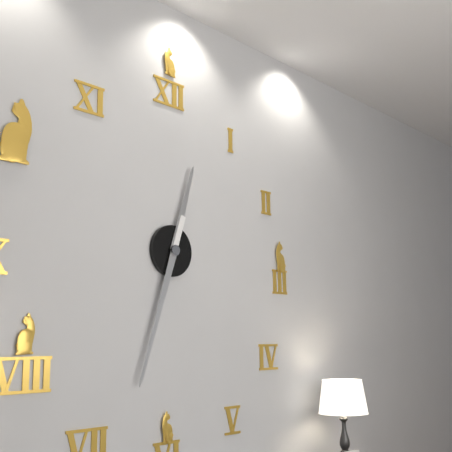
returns 12,33
